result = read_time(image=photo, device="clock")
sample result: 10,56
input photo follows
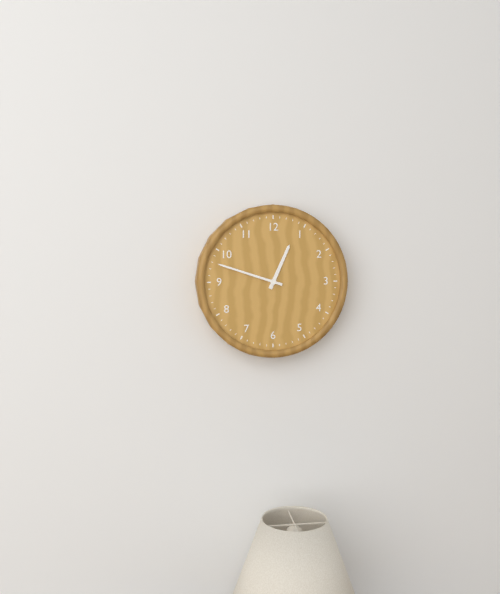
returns 12,48
